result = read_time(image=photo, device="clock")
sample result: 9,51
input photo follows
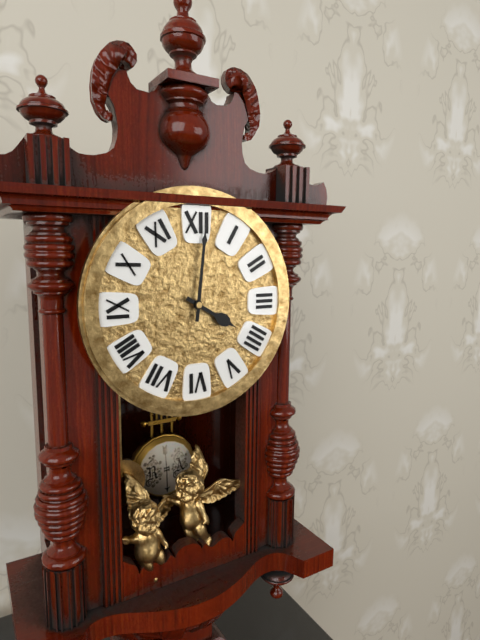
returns 4,01
